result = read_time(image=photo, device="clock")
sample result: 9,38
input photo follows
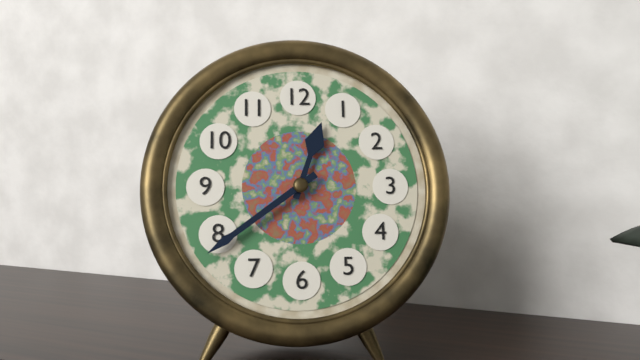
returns 12,39
